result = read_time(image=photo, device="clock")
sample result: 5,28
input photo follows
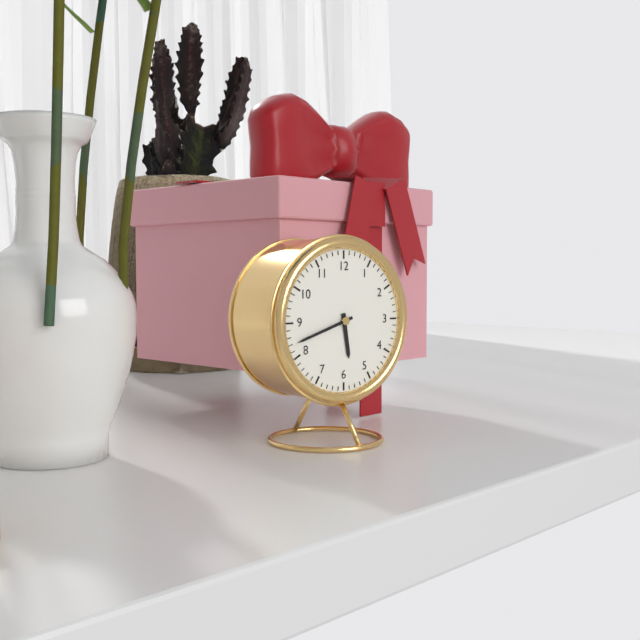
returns 5,42
